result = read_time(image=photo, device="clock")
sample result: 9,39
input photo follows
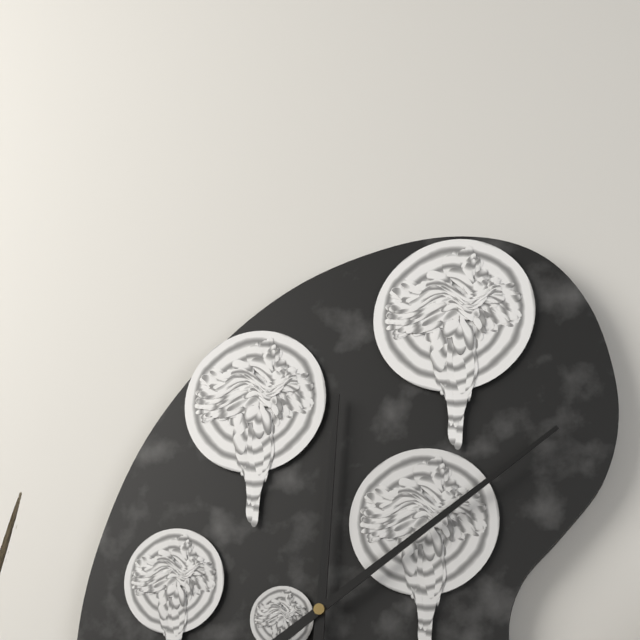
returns 12,09
